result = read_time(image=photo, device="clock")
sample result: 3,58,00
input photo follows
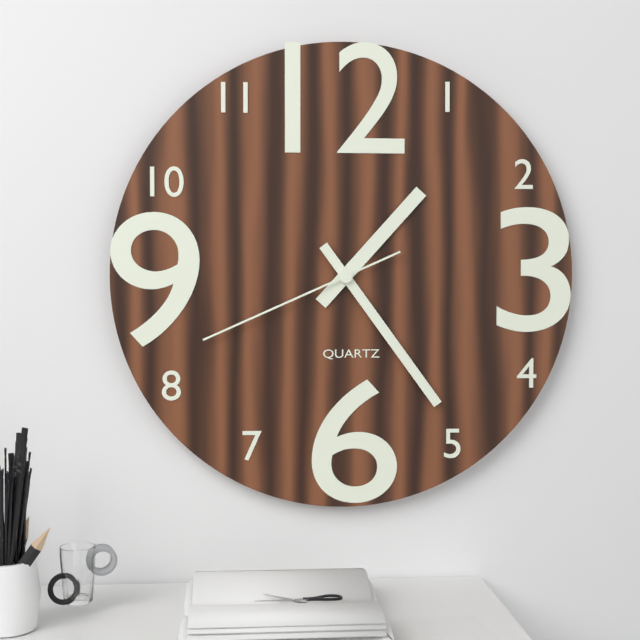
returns 1,24,41
